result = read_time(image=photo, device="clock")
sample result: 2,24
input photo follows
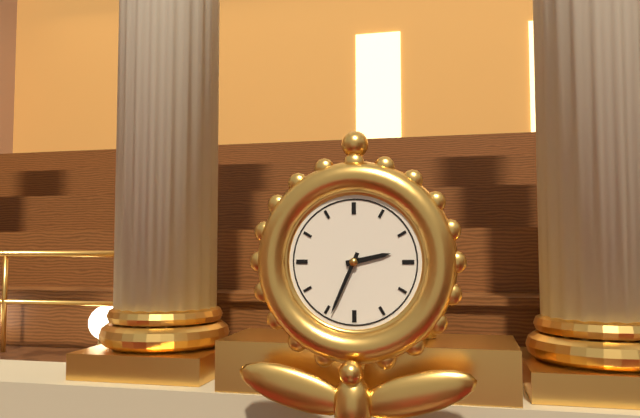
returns 2,34
